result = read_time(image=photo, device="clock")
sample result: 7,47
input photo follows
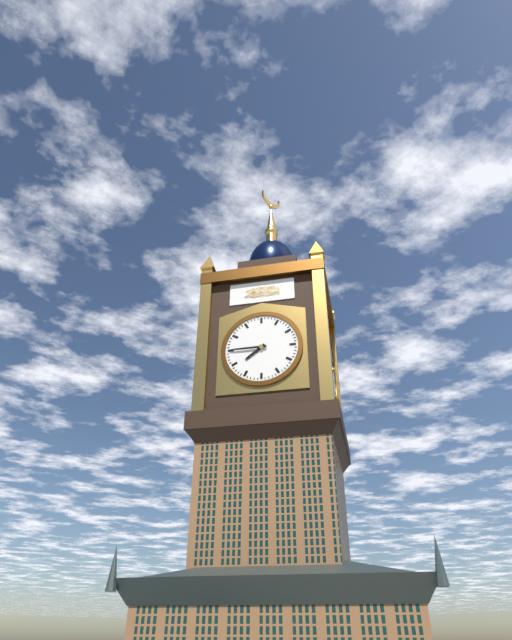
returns 7,45
